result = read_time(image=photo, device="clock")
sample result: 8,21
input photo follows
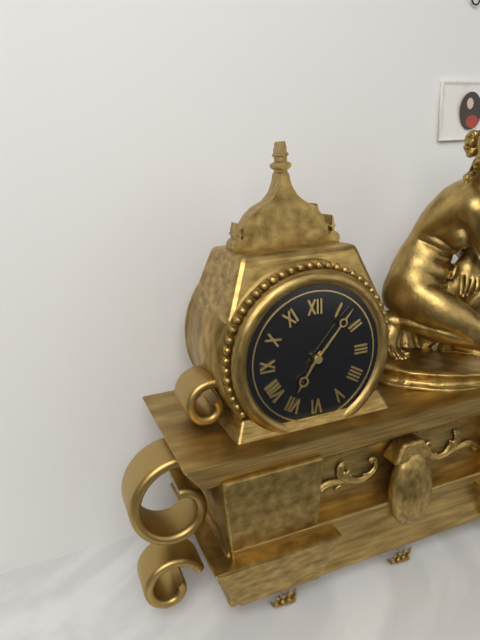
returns 7,07
